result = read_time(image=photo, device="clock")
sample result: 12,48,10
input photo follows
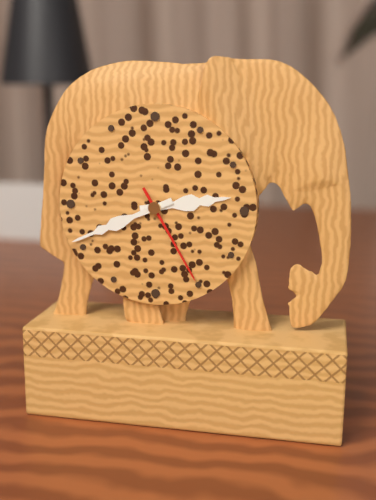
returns 2,41,25
